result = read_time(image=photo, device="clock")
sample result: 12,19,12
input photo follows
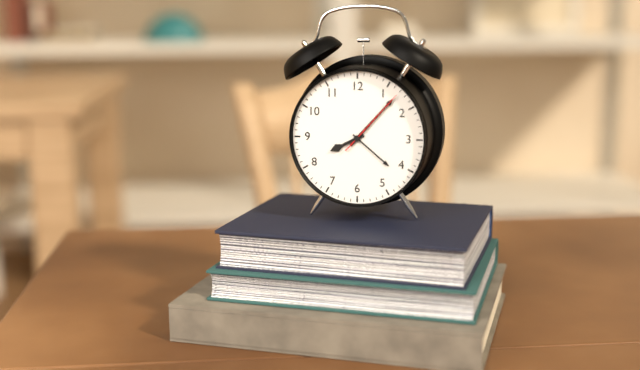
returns 8,07,07
